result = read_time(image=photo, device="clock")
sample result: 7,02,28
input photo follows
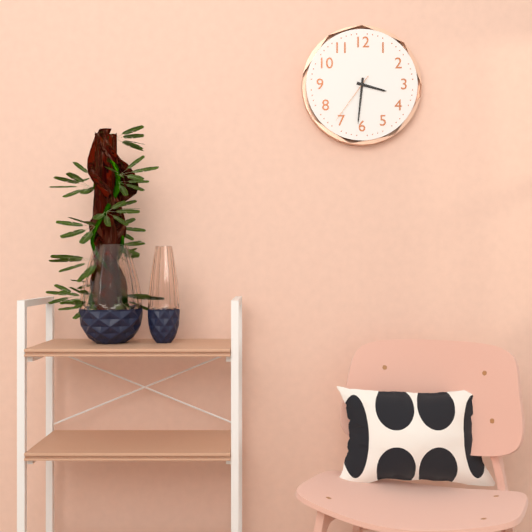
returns 3,31,36
